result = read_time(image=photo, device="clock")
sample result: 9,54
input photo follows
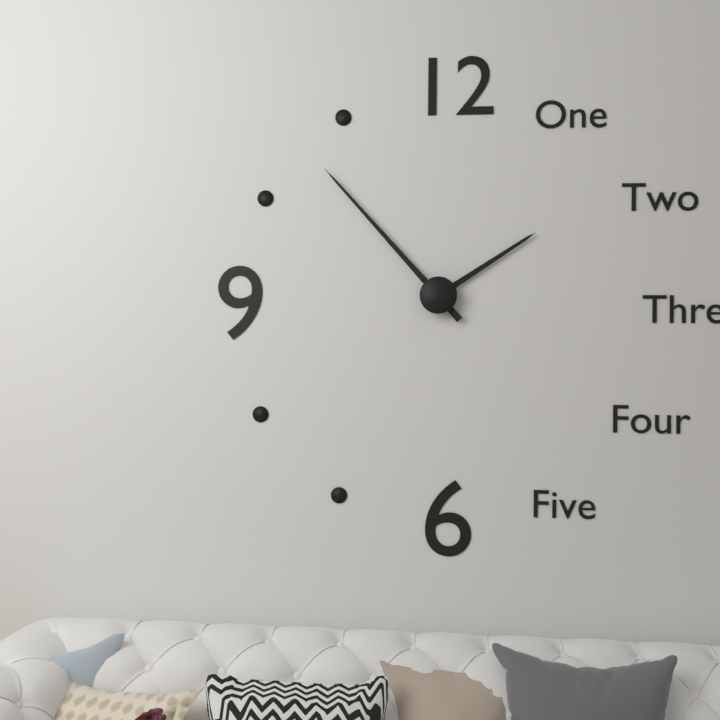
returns 1,53
